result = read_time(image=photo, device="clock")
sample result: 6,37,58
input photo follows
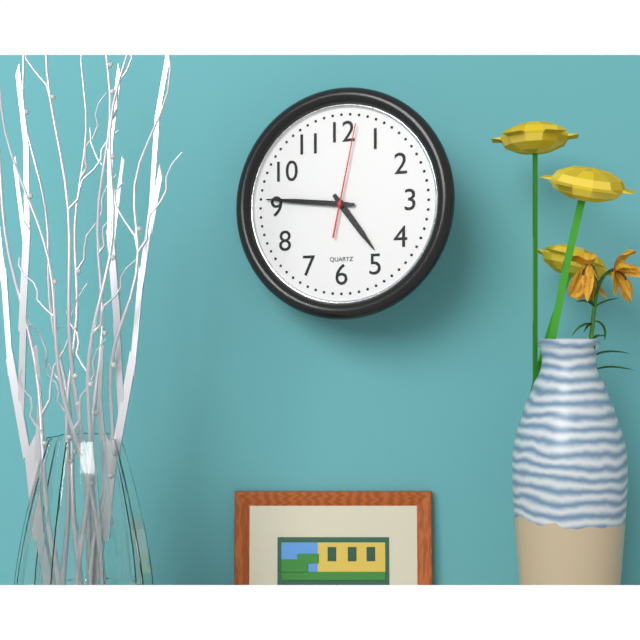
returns 4,46,02
